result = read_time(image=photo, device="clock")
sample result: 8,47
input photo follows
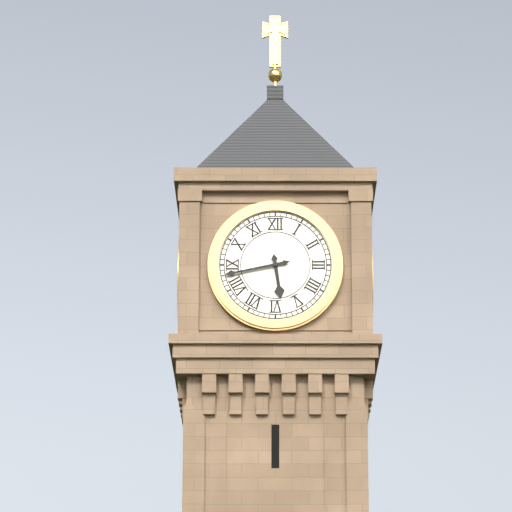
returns 5,43
